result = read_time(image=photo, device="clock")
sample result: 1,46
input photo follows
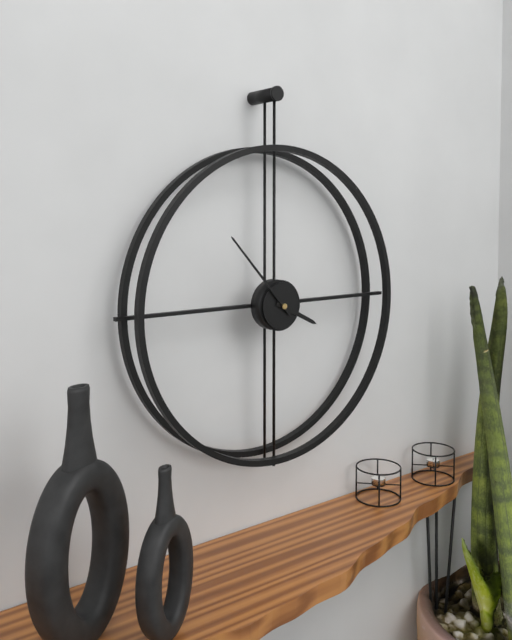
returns 3,53
